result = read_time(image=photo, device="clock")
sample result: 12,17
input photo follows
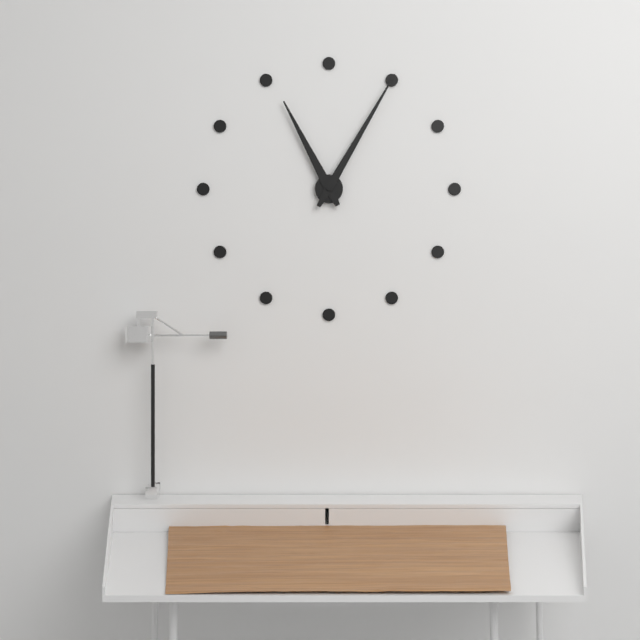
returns 11,05
